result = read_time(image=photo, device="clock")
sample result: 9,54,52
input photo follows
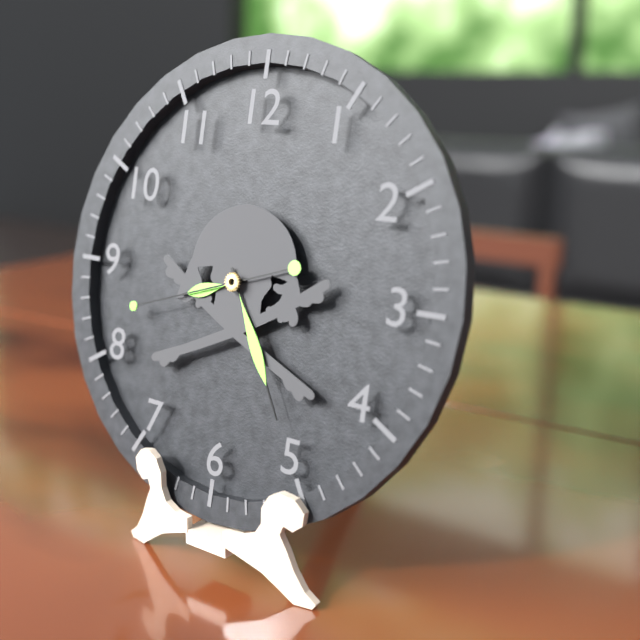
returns 8,25,42
